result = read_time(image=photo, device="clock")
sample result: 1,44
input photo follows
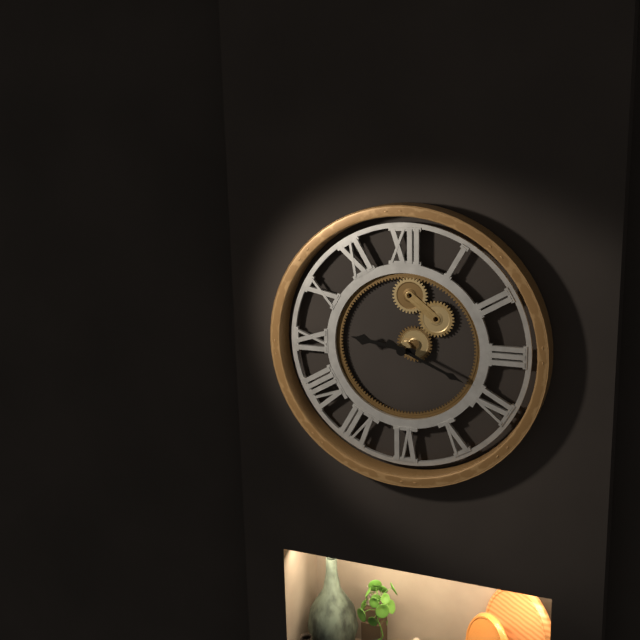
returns 9,19
